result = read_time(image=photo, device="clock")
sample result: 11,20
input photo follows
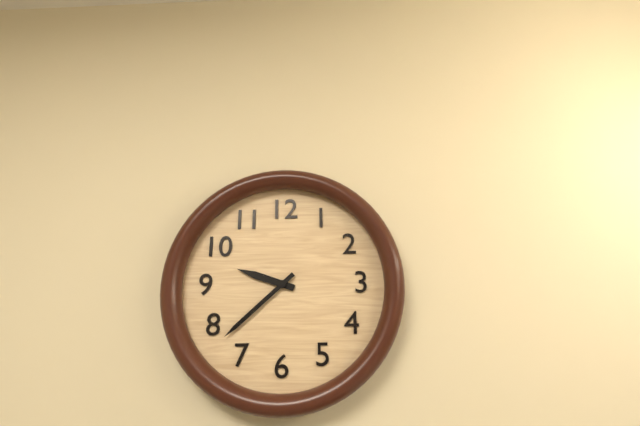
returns 9,38
